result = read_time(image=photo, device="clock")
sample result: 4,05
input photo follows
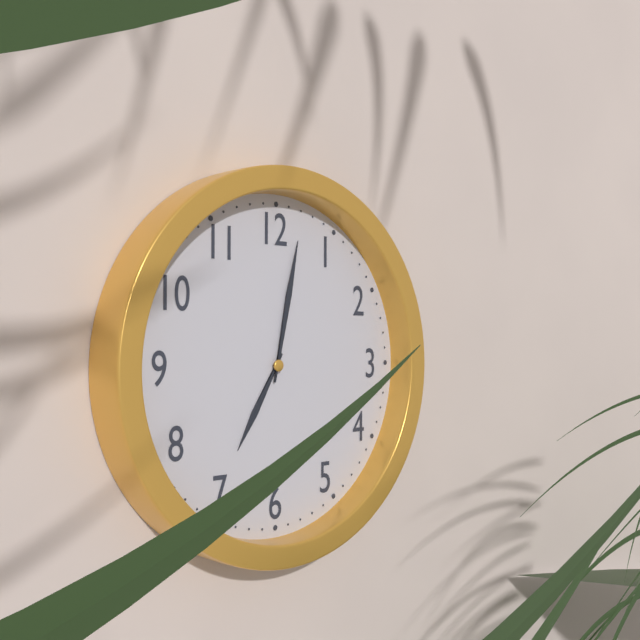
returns 7,02
